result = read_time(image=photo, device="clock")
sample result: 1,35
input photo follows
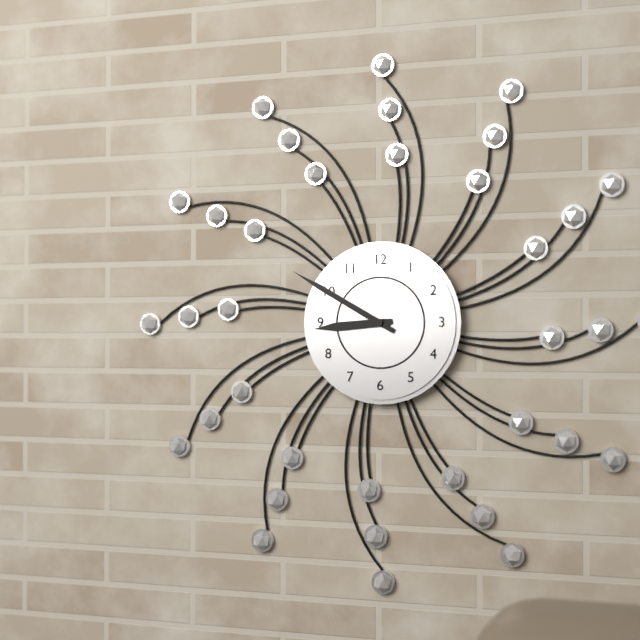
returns 8,50
